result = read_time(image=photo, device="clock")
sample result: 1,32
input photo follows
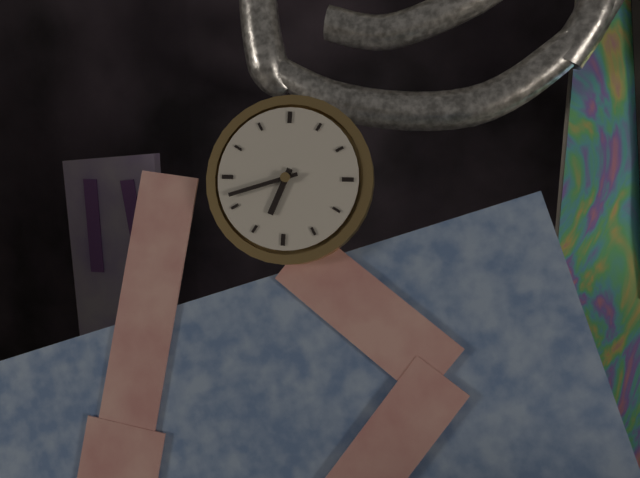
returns 6,42
